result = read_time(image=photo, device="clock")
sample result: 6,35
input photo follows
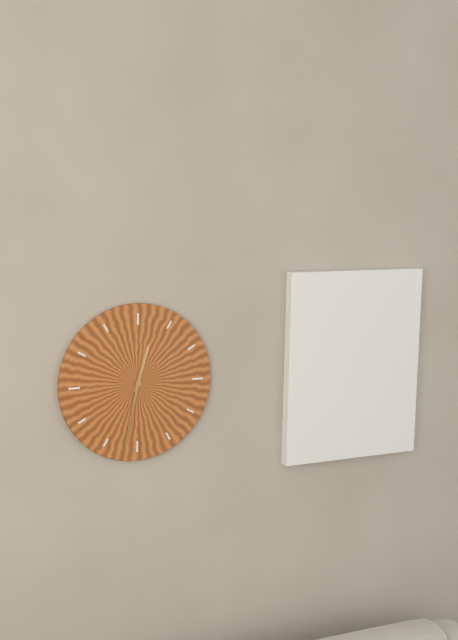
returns 12,32
